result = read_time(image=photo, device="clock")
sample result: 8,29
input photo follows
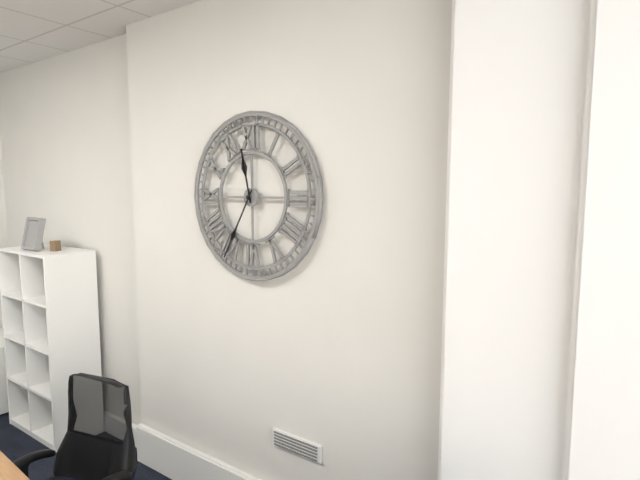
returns 11,35
